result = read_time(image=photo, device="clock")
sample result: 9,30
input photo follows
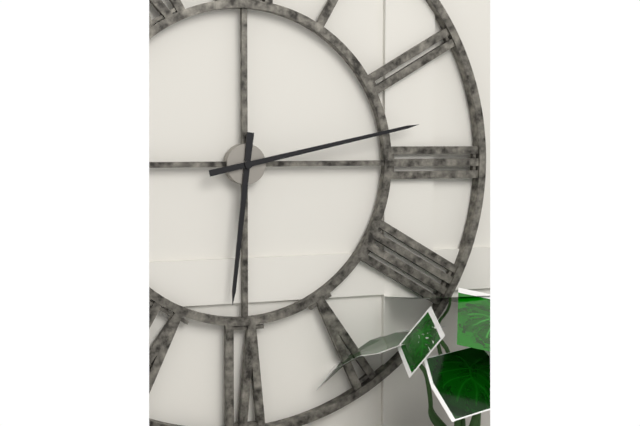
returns 6,13
